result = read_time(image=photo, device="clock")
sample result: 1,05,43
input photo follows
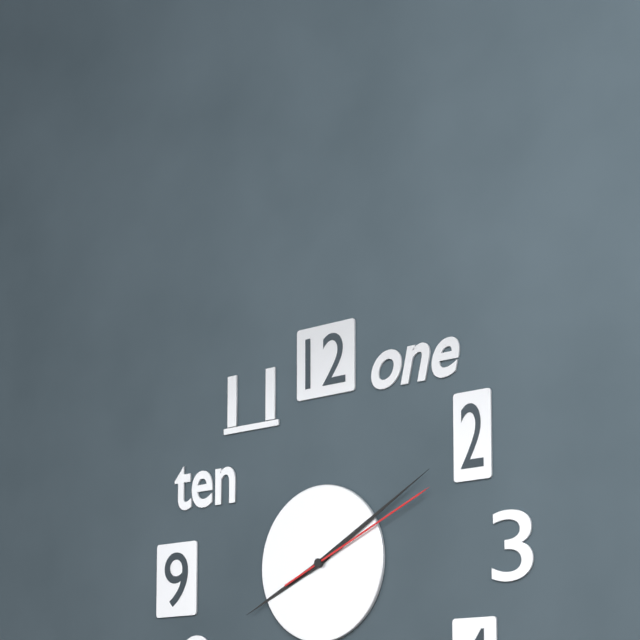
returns 8,10,11
